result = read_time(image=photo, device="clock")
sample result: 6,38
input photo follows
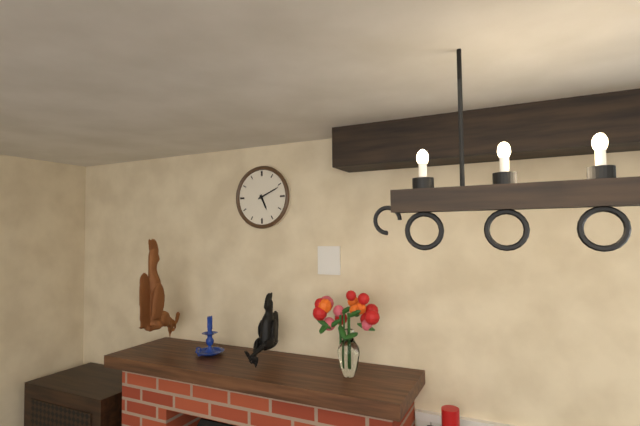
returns 5,11
